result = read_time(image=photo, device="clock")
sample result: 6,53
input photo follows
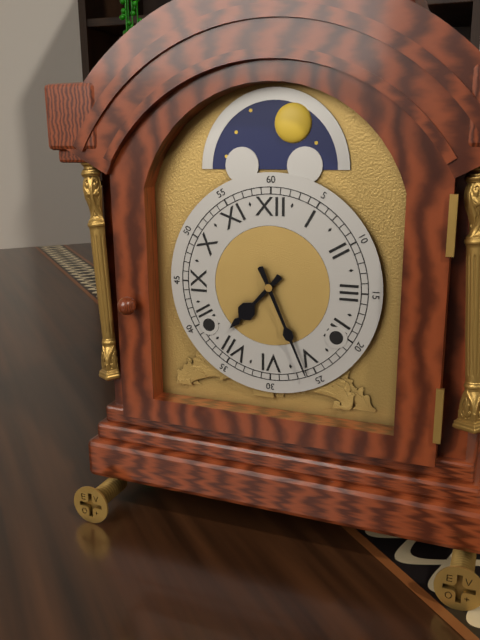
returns 7,26
